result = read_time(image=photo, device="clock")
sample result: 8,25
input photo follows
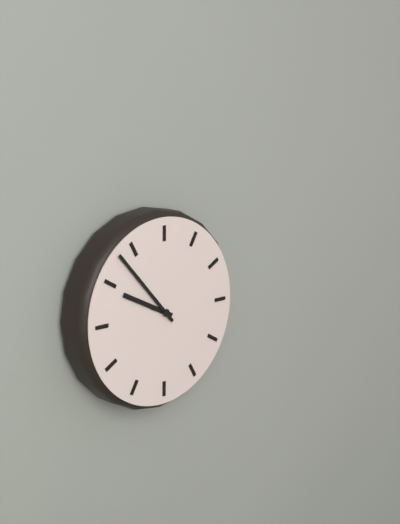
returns 9,53
